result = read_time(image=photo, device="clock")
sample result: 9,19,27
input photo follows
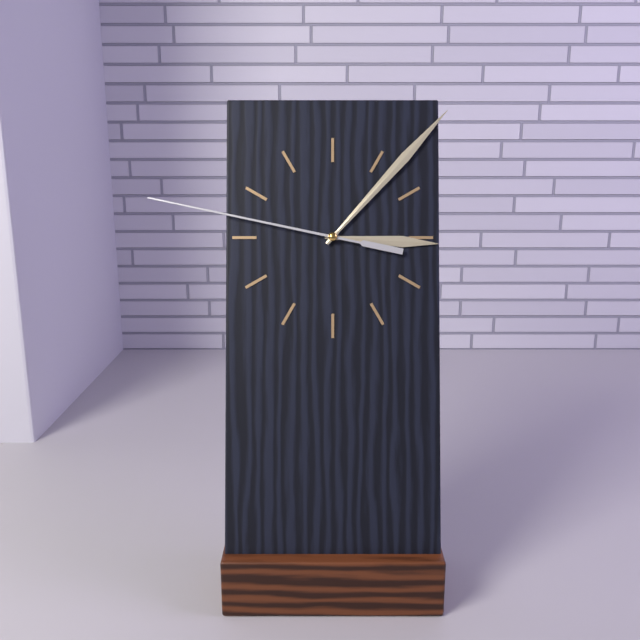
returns 3,07,47
